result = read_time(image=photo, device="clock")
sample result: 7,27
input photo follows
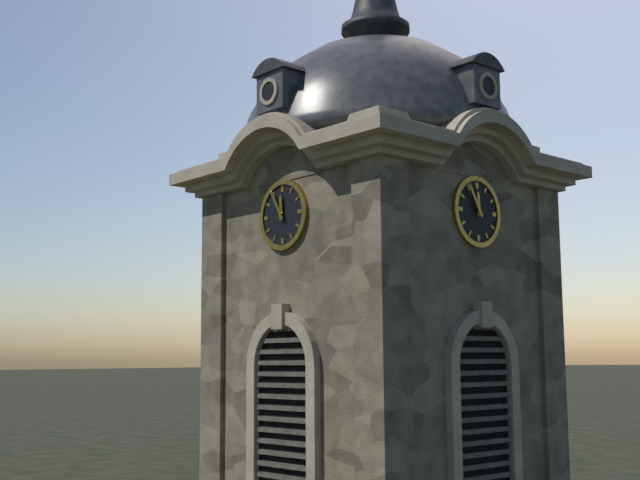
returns 11,55
